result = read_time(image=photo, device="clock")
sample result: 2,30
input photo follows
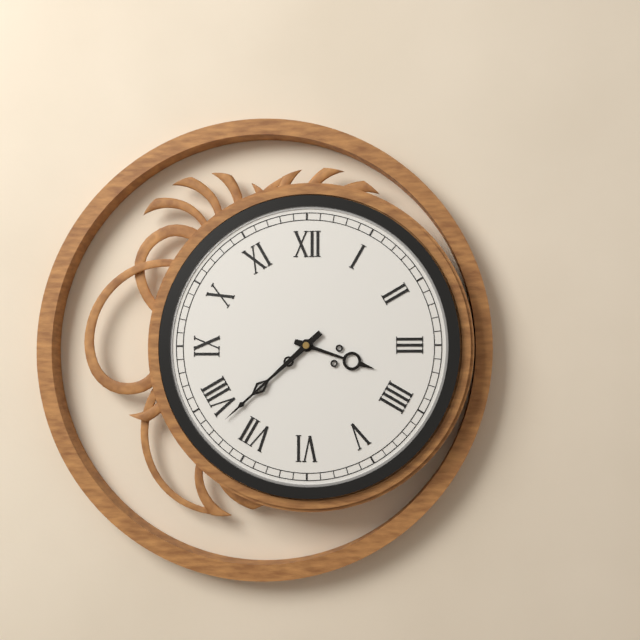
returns 3,38
